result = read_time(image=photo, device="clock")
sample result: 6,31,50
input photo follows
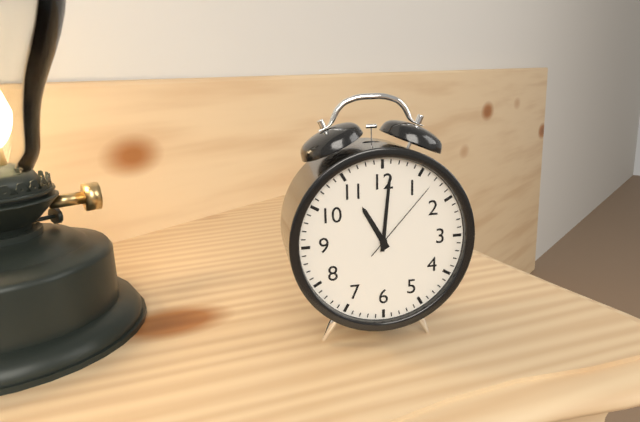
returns 11,01,07
